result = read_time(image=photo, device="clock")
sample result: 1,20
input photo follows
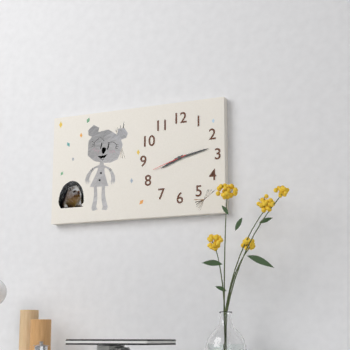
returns 8,13
